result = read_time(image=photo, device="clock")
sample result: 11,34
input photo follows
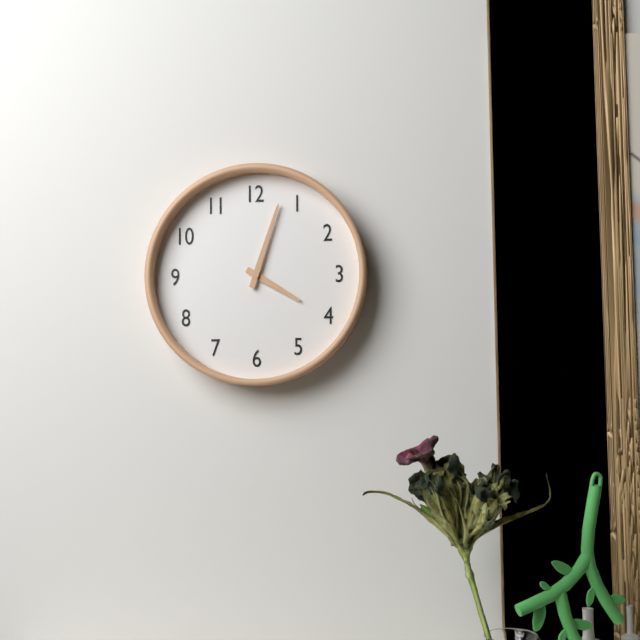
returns 4,03
